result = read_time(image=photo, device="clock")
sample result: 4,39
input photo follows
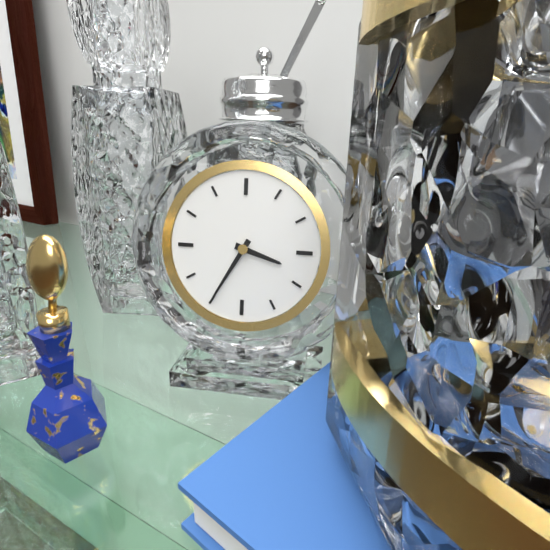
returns 3,35
